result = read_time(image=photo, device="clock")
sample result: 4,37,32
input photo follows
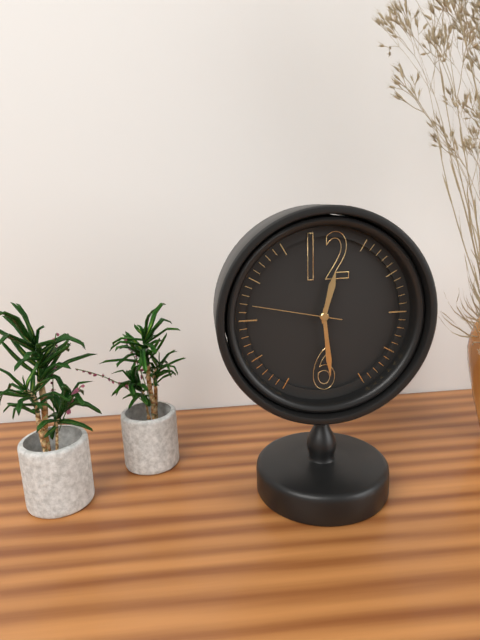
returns 12,29,47
